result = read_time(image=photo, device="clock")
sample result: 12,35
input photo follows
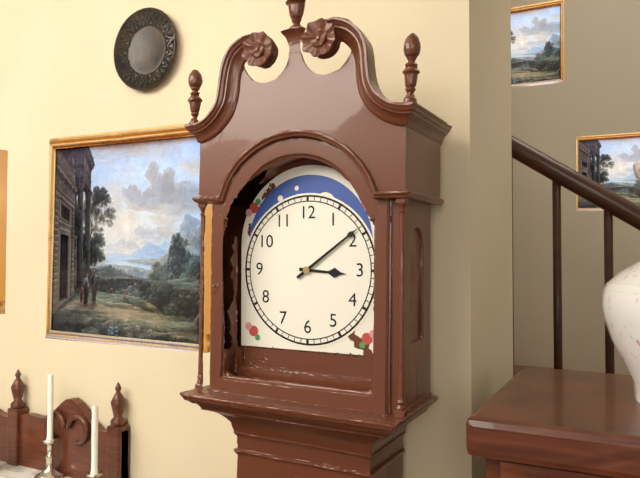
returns 3,09
